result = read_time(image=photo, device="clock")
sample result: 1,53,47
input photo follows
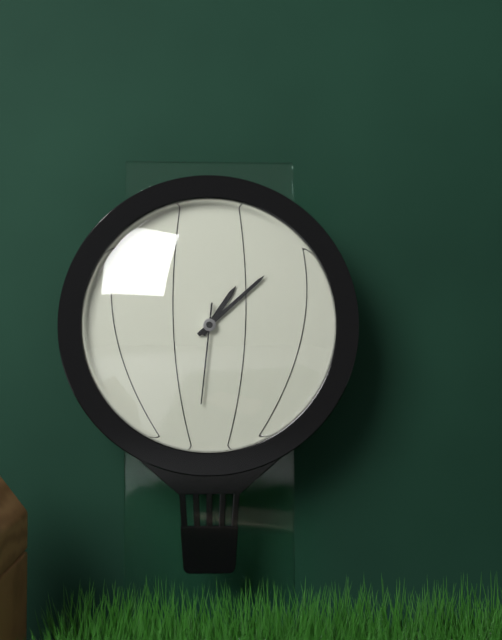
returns 1,08,31
